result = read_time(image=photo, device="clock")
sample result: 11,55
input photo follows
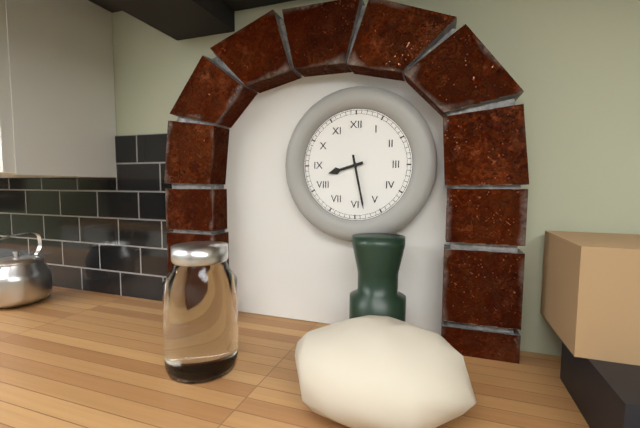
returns 8,28
